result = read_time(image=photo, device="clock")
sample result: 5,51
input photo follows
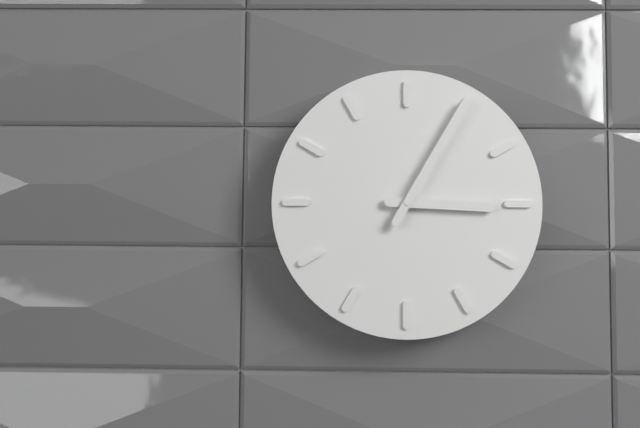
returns 3,05
